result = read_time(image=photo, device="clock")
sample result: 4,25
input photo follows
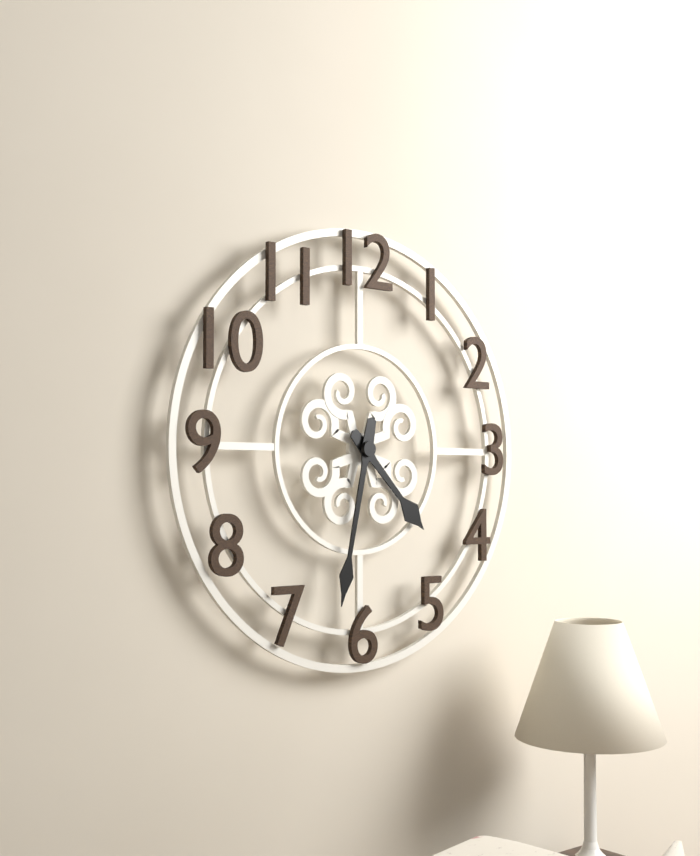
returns 4,32
